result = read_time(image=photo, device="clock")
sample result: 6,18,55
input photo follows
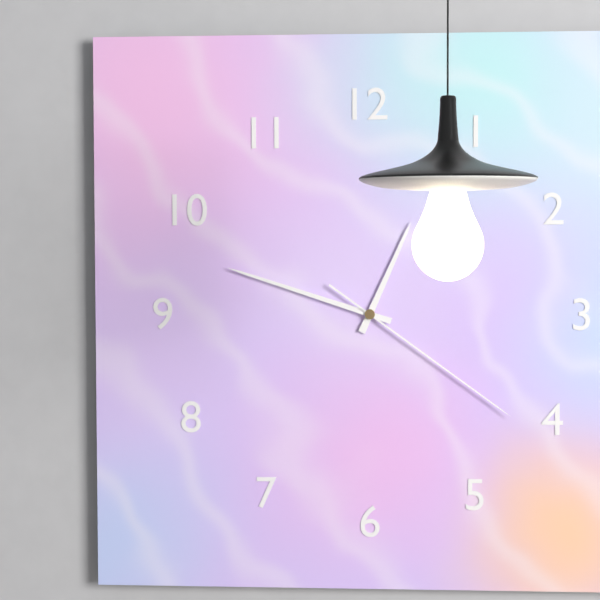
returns 12,48,21
